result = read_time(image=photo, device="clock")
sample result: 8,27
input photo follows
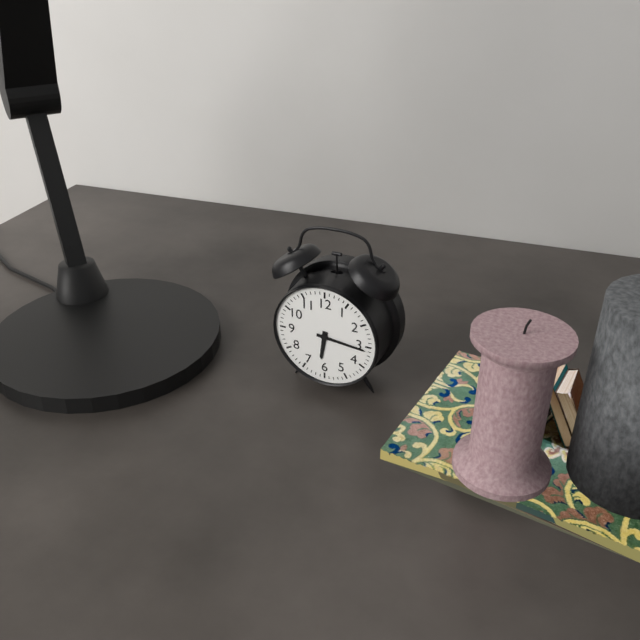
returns 6,16
